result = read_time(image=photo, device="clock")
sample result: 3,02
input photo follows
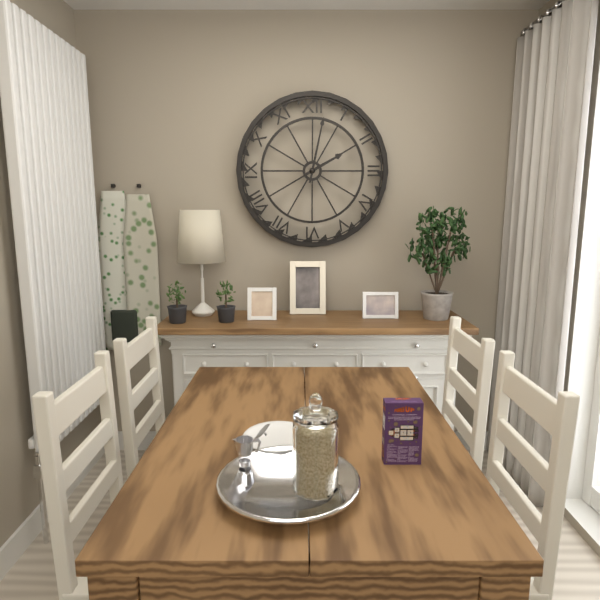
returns 2,02
